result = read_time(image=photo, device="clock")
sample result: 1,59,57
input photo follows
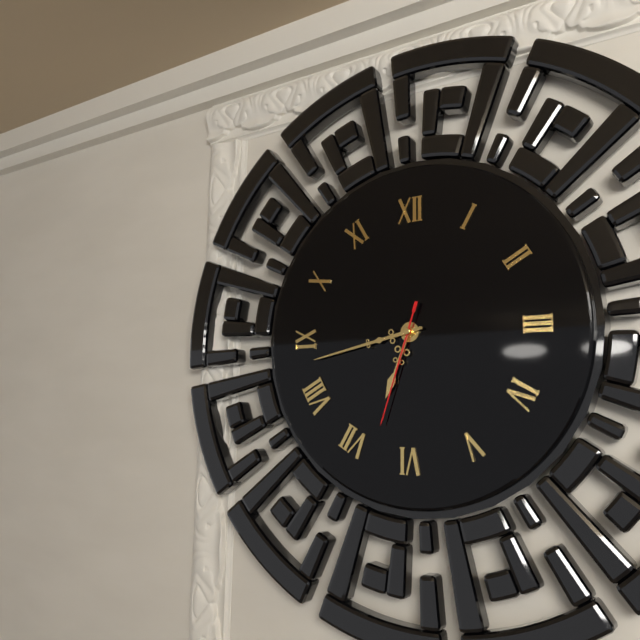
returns 6,43,33
